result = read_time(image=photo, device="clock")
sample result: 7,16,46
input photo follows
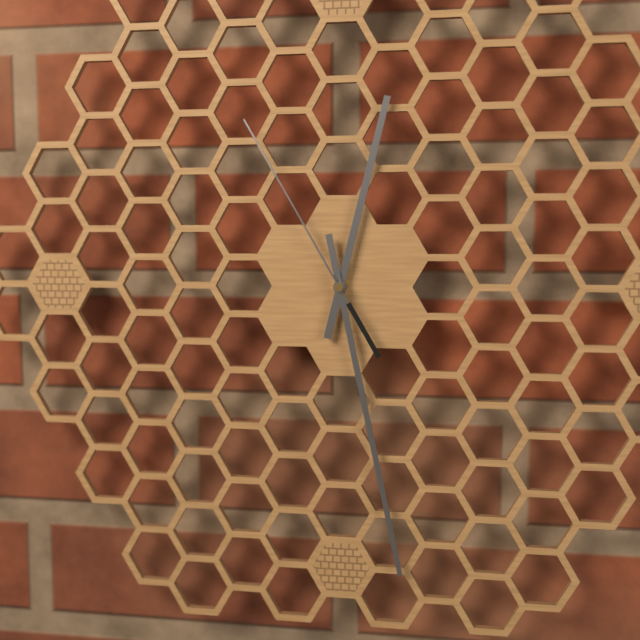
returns 12,28,55
